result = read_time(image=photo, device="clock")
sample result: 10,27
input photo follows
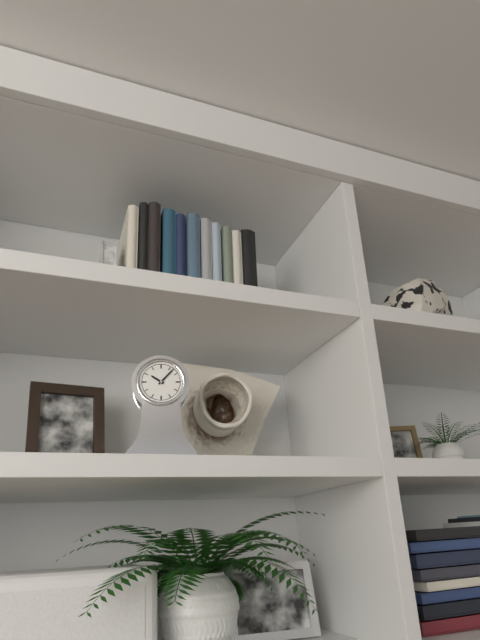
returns 10,07
